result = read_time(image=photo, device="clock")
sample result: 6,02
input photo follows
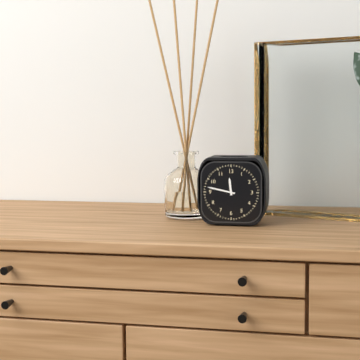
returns 11,47
